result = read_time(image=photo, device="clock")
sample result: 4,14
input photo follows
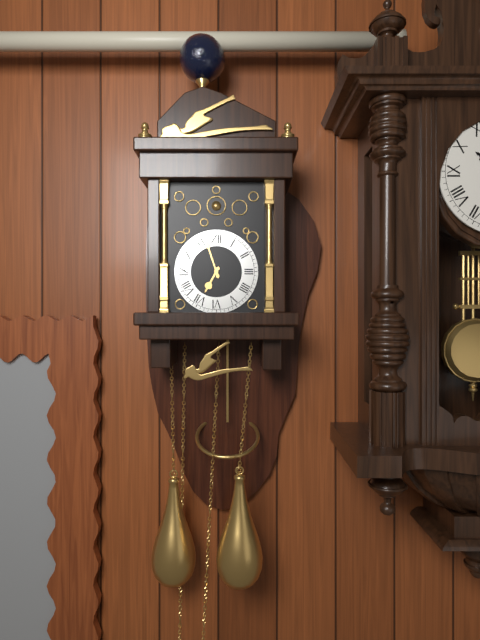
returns 6,57
